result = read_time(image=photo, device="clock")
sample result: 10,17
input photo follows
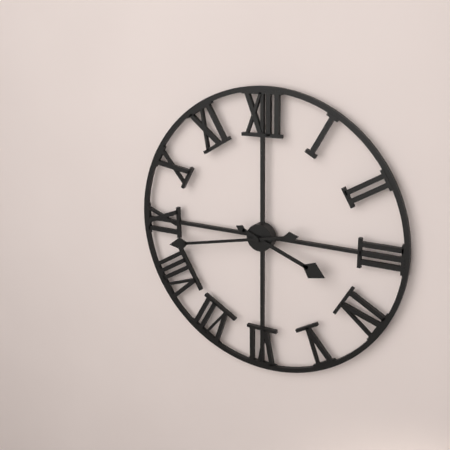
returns 3,43
